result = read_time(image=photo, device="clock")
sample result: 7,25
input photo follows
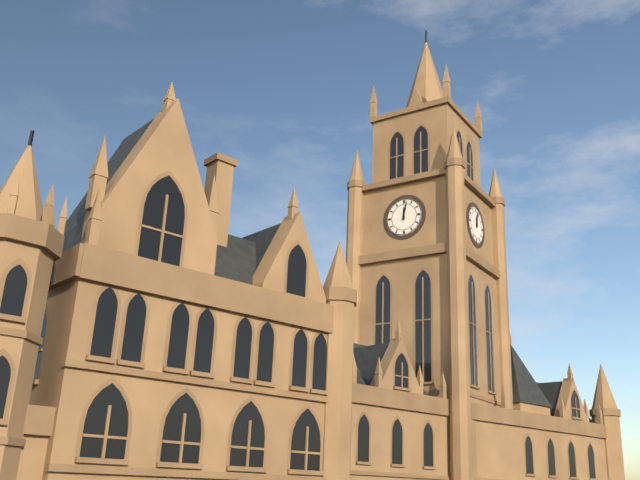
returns 12,02
